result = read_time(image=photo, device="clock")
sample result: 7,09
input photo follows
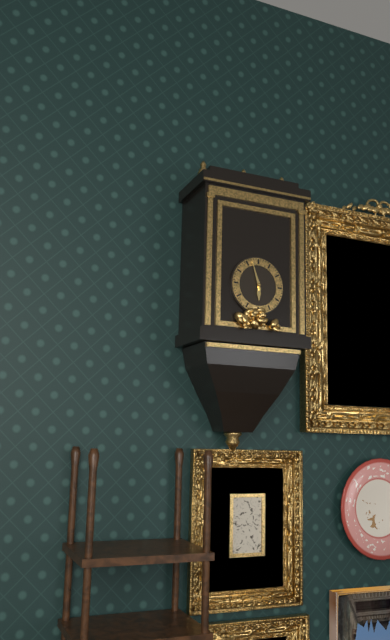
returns 5,57
